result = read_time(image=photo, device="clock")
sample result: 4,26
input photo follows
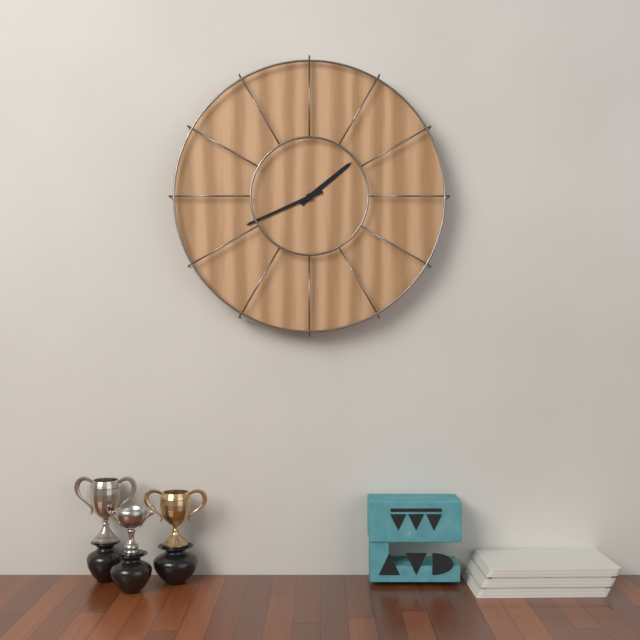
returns 1,41
